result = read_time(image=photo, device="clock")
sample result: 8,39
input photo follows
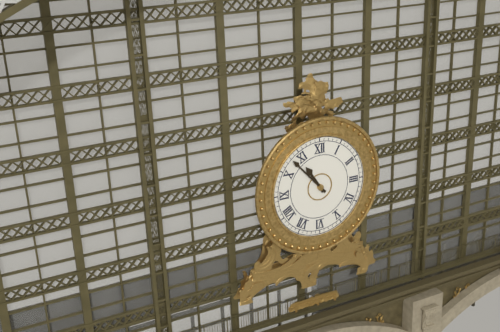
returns 10,53
